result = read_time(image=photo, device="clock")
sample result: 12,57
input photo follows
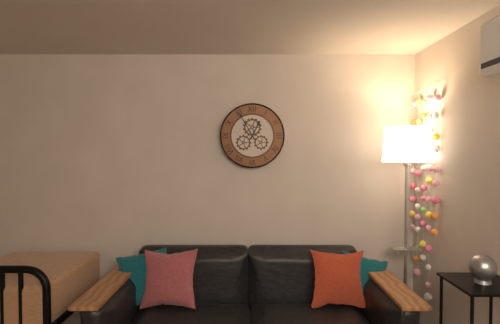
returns 12,55
